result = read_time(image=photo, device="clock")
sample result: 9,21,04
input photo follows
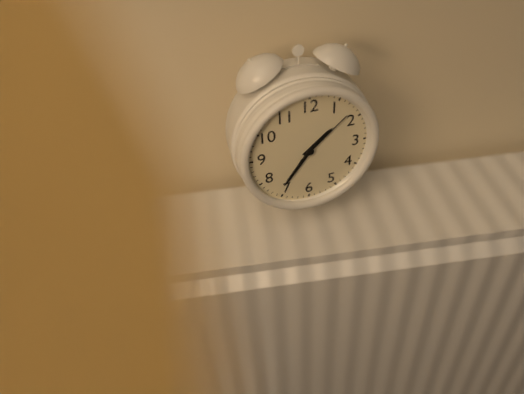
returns 1,36,08
